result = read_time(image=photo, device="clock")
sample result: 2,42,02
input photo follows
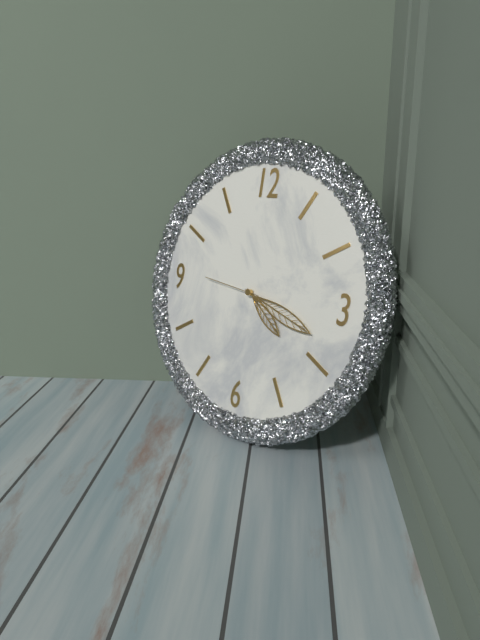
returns 4,18,46
